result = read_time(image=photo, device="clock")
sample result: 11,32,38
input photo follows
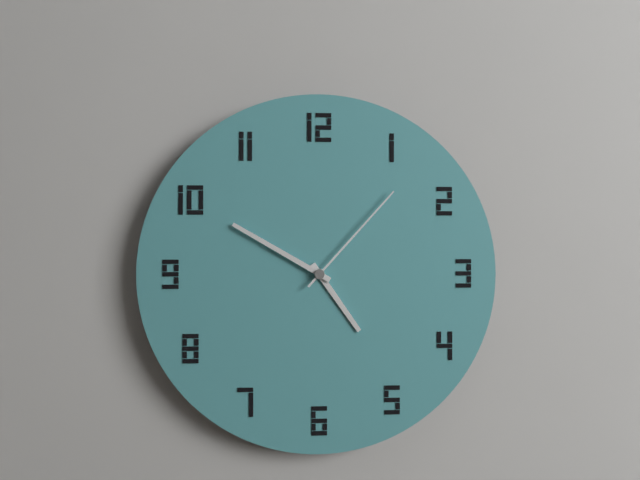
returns 4,50,07
